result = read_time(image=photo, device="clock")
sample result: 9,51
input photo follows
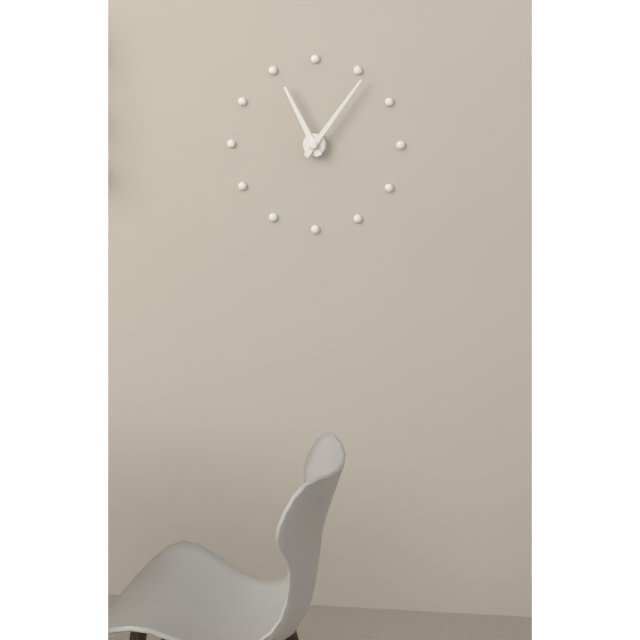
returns 11,06
